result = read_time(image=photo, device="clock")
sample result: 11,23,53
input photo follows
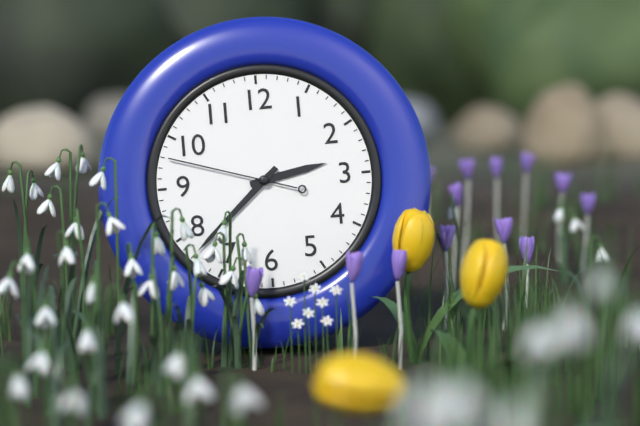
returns 2,38,48
